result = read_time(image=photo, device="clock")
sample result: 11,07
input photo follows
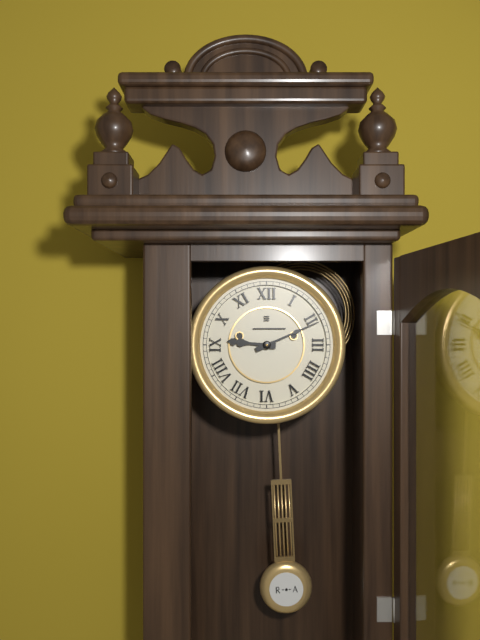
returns 9,11
